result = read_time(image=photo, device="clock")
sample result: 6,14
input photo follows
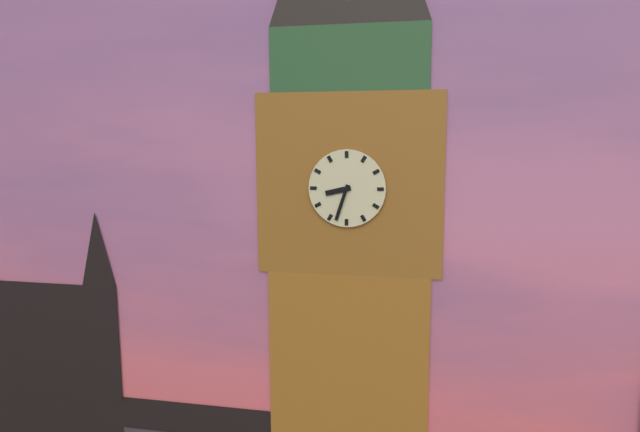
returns 8,33
